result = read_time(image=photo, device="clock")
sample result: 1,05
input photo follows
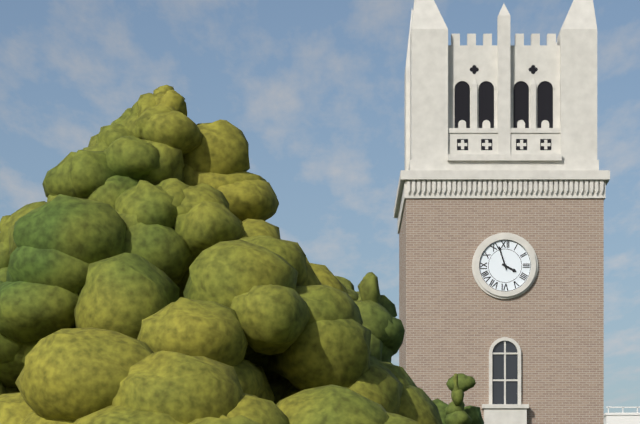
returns 3,57
